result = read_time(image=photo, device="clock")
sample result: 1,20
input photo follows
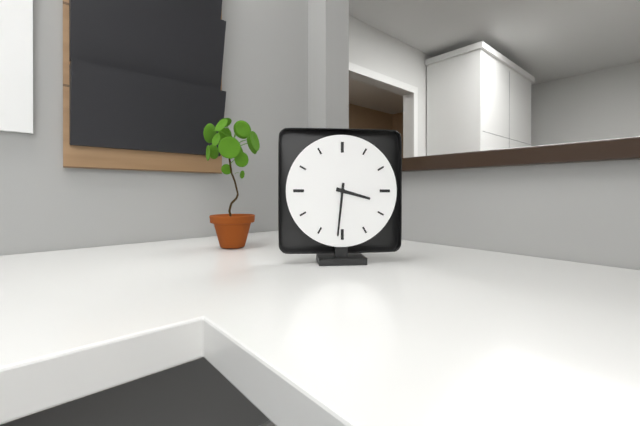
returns 3,31
